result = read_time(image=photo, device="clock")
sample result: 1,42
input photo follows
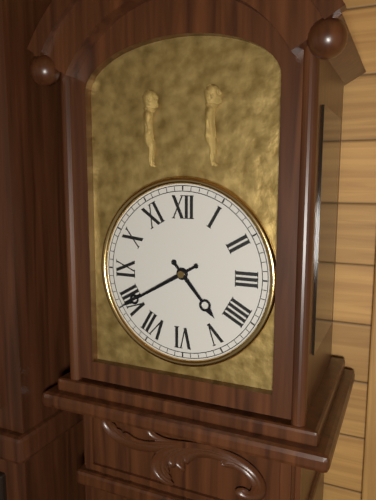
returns 4,40
